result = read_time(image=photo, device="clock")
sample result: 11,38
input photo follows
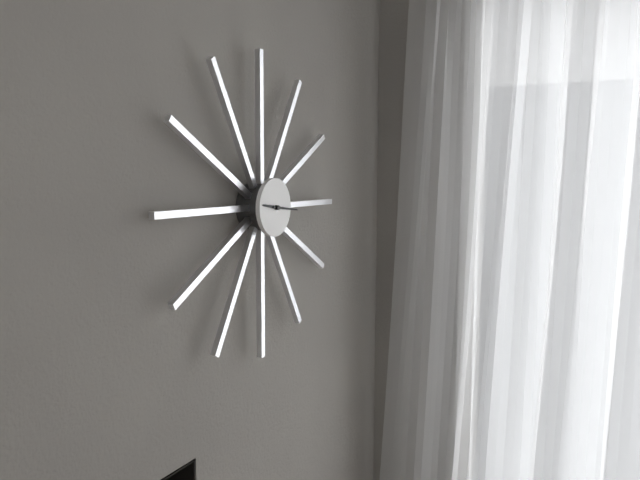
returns 9,16
